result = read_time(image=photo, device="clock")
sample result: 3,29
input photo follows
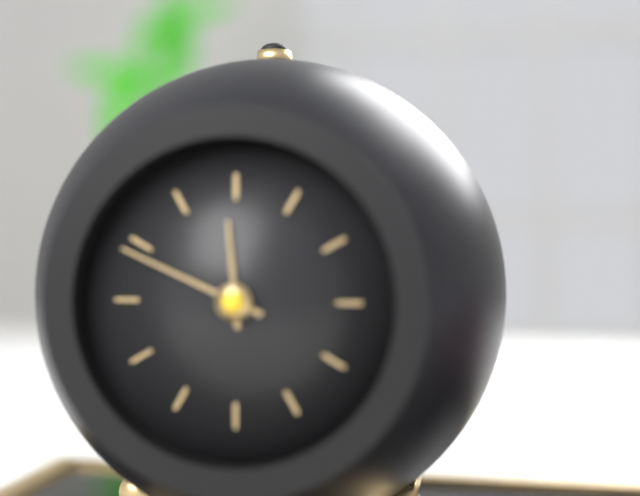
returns 11,49
